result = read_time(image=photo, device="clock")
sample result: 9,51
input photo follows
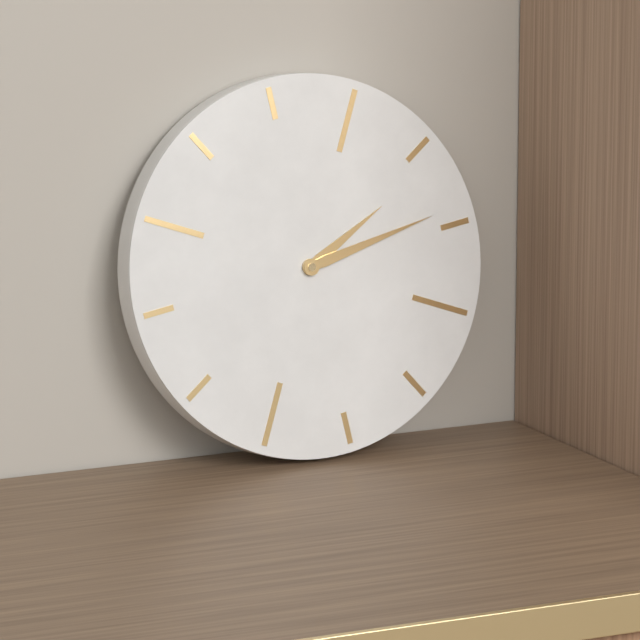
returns 2,14
